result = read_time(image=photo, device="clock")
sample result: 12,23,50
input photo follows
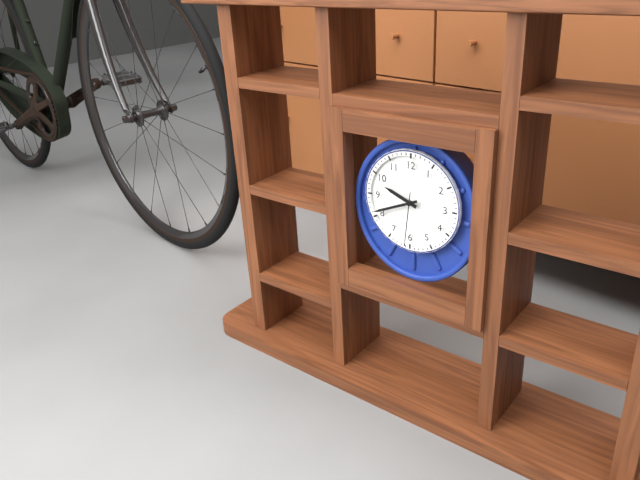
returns 9,41,31
